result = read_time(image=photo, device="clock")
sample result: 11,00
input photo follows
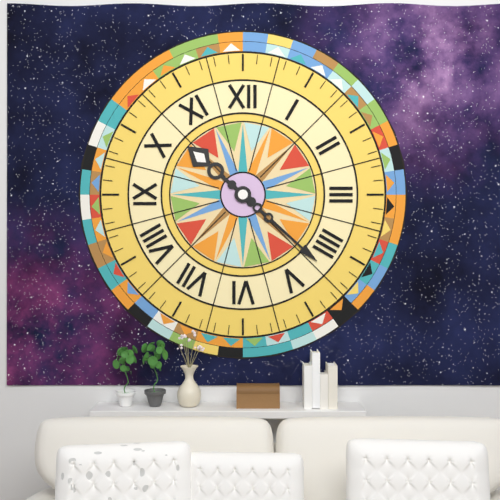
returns 10,22
